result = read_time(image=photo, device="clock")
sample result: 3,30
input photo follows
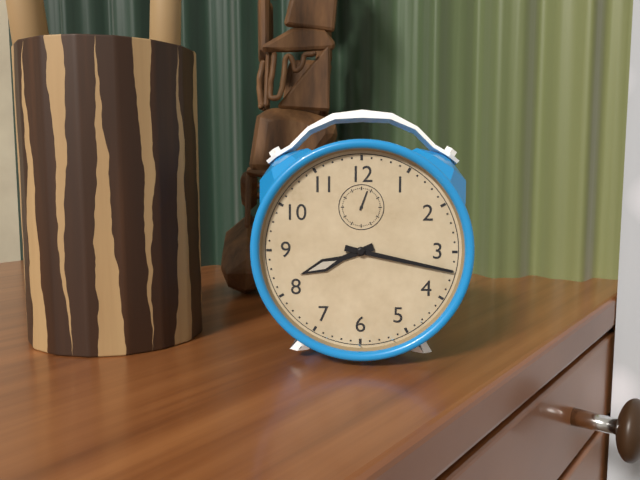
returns 8,17
